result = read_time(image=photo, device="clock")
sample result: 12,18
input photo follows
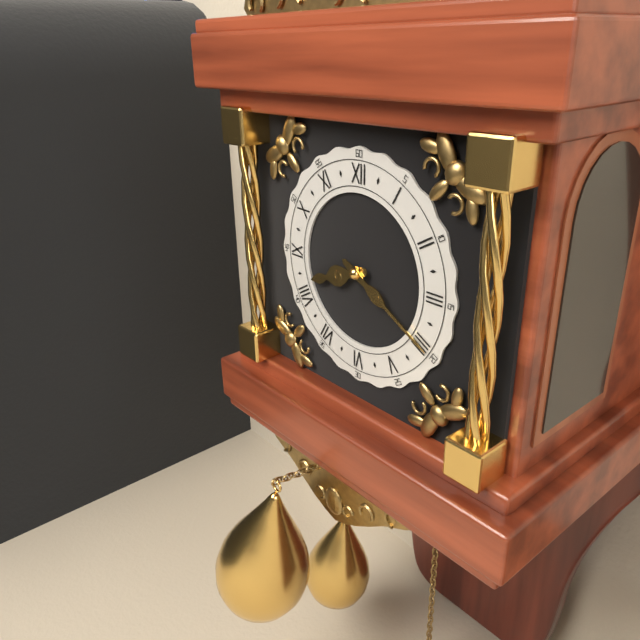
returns 8,20
